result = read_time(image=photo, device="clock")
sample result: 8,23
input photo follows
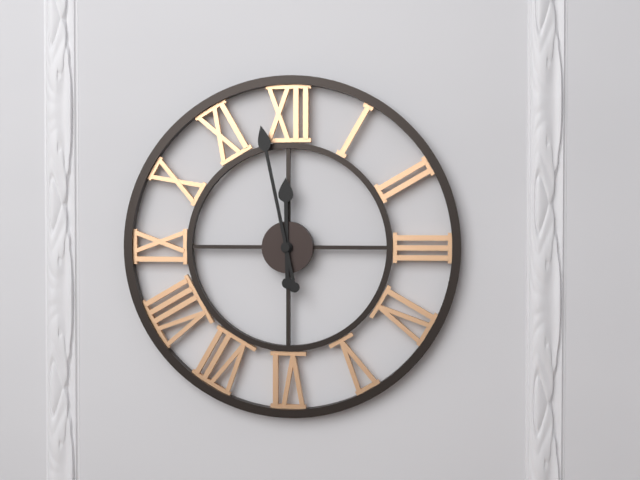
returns 11,58
